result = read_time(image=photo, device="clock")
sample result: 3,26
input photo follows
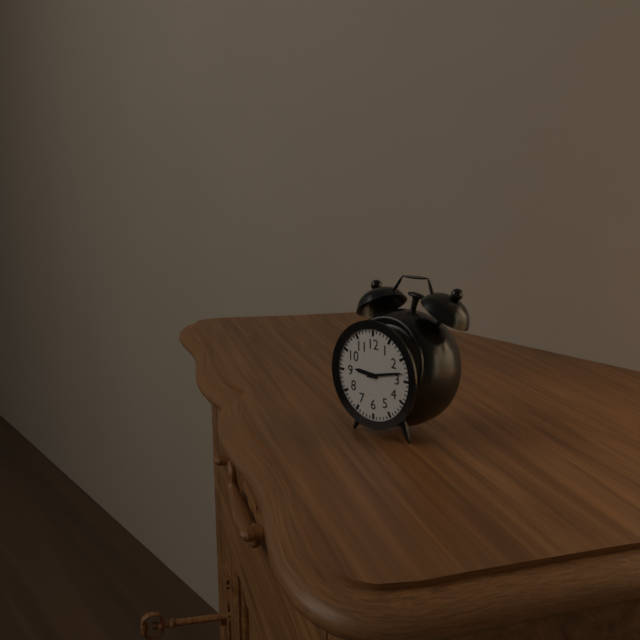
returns 9,13
